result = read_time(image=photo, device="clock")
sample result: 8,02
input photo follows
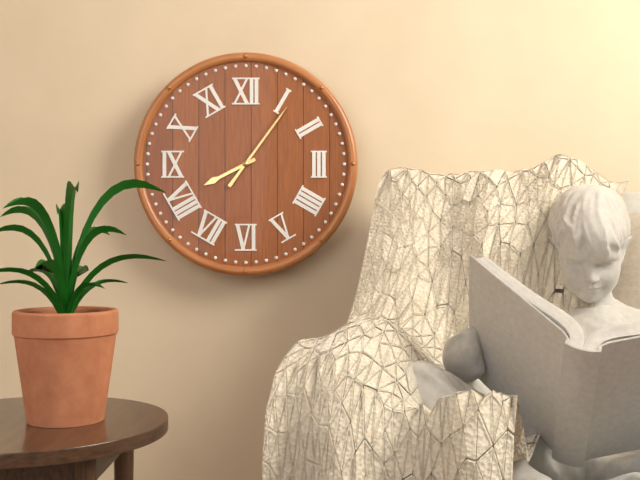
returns 8,06
